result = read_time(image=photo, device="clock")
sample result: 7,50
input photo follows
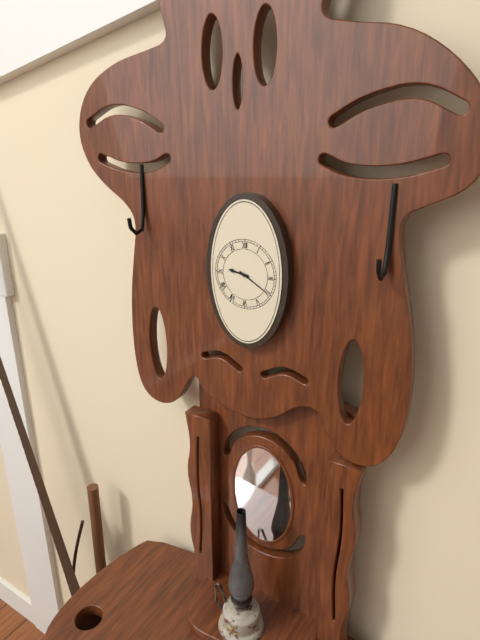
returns 9,20
